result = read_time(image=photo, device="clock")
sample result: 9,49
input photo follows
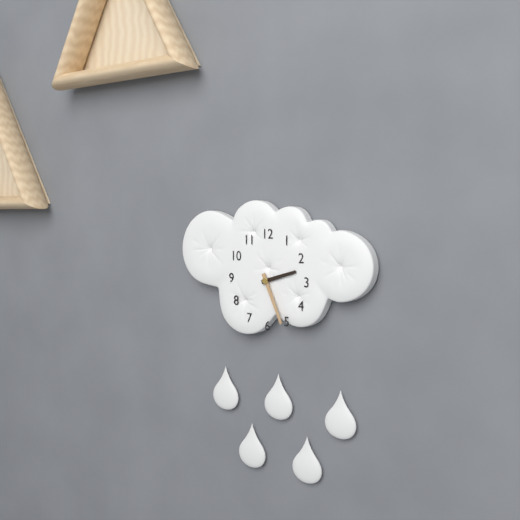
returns 2,26
